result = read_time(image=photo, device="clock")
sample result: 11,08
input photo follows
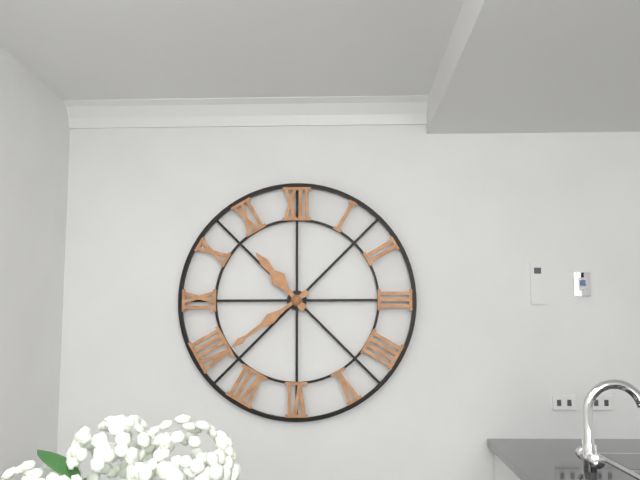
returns 10,39
